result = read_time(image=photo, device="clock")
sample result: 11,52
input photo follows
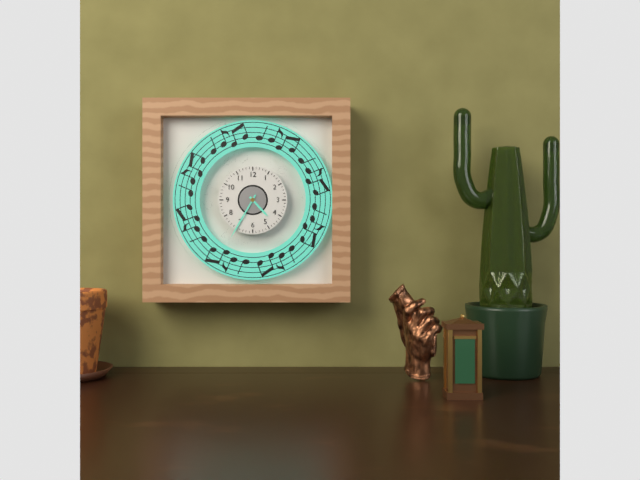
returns 4,35
